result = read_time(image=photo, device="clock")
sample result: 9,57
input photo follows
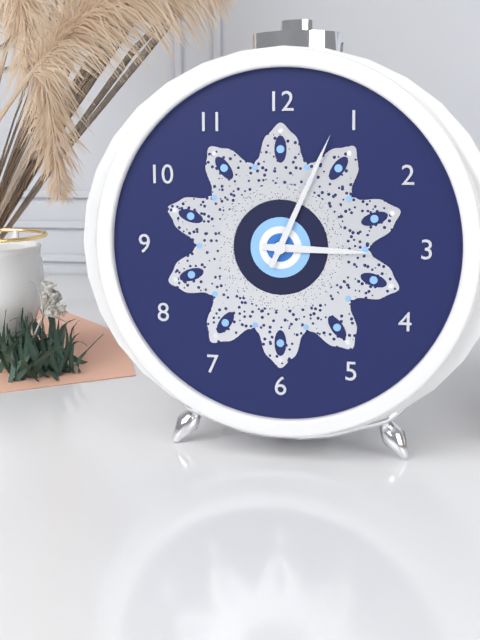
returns 3,04
